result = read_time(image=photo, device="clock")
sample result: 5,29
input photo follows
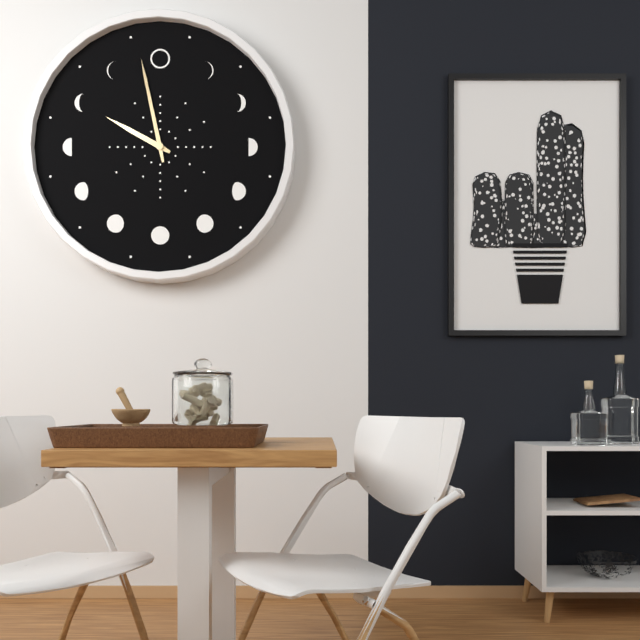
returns 9,58
